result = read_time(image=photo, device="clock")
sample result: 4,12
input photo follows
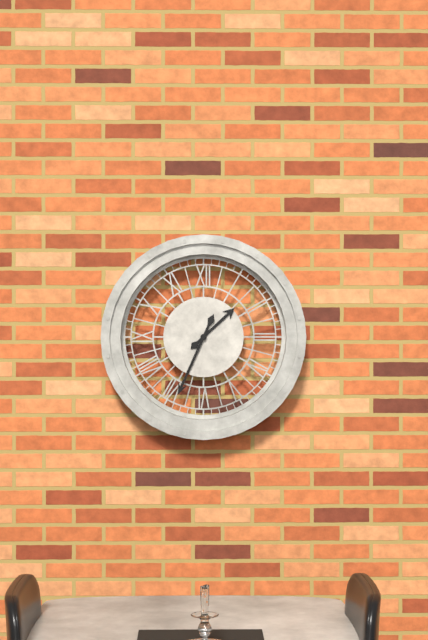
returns 1,34
